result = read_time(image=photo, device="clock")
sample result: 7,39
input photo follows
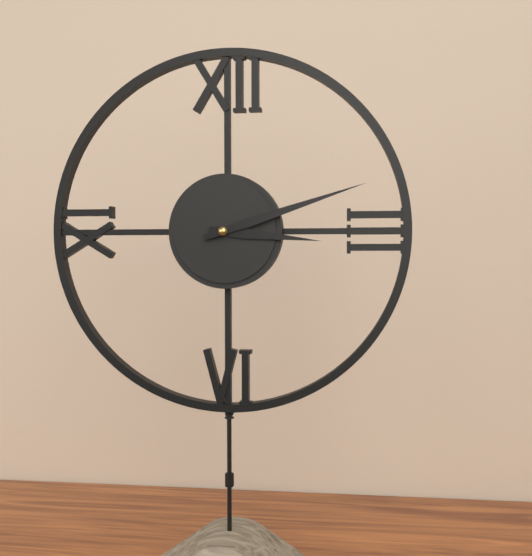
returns 3,12
